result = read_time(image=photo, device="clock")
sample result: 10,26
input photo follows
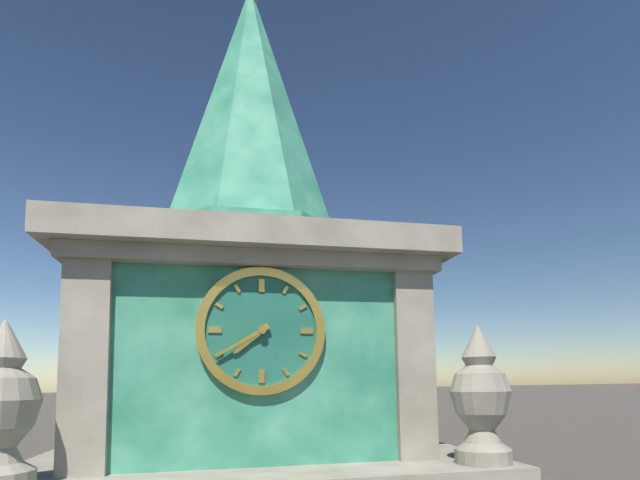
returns 7,40
